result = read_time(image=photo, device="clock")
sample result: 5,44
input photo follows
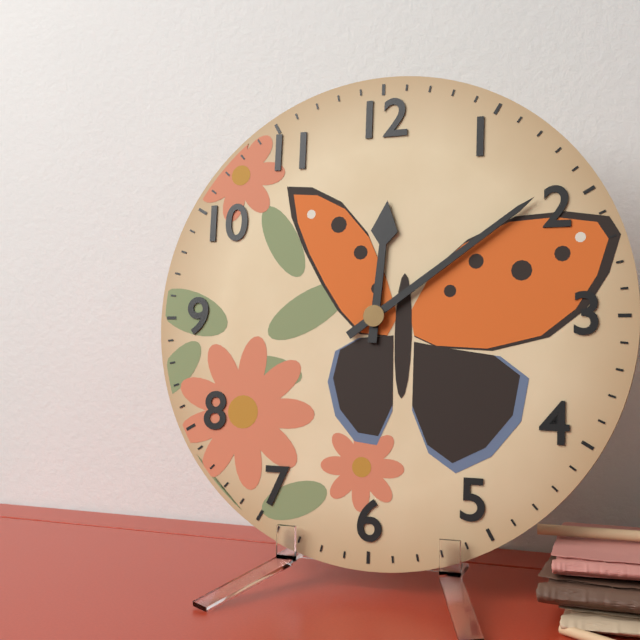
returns 12,09
